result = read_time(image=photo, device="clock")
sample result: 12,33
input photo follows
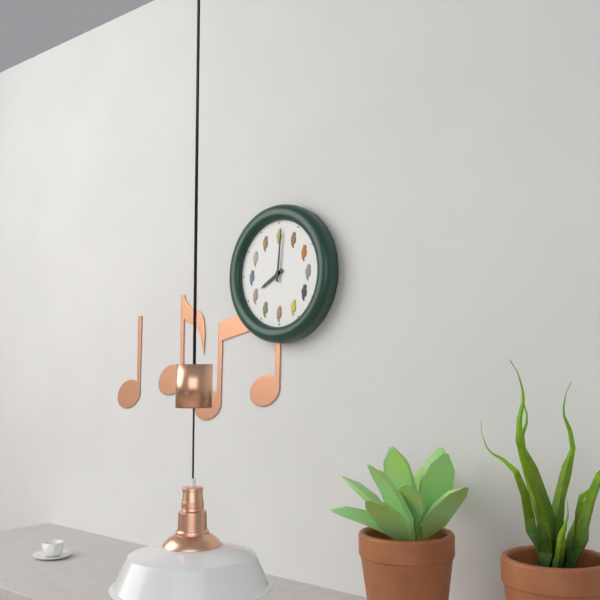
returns 8,01
